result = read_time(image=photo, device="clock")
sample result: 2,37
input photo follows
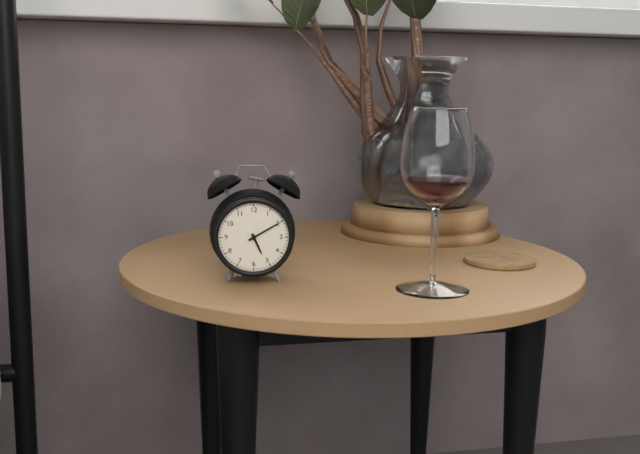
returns 5,10
